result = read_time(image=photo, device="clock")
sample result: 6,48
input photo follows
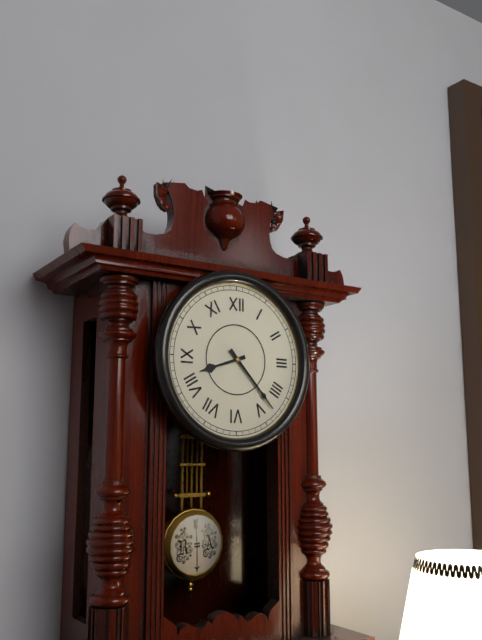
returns 8,23
